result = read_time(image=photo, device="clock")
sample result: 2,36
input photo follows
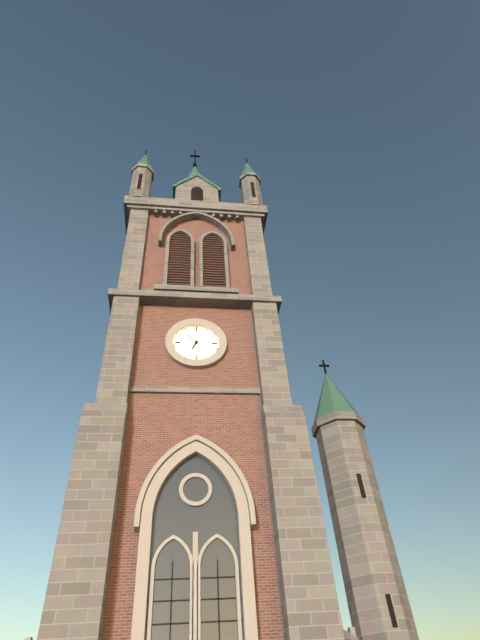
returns 6,53
